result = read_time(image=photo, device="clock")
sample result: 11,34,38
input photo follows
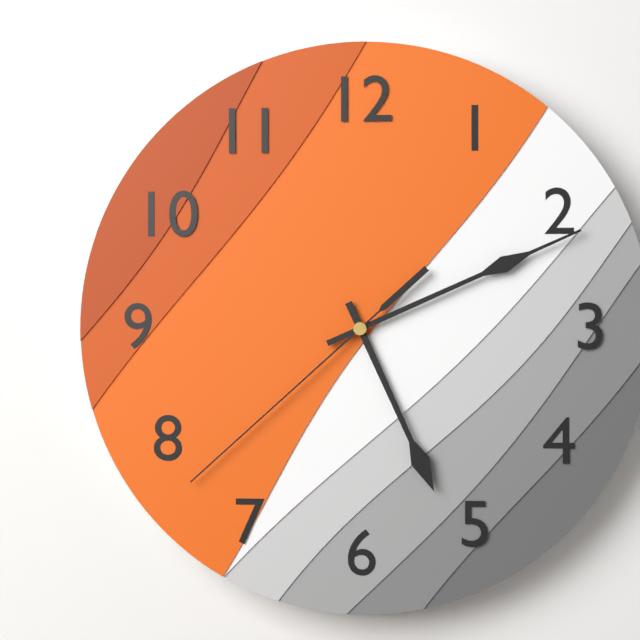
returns 5,11,38
